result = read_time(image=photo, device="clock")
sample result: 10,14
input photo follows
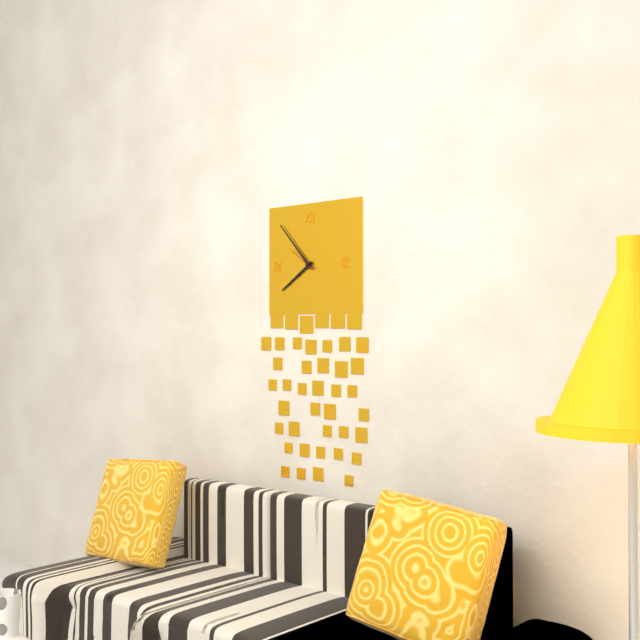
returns 7,53
